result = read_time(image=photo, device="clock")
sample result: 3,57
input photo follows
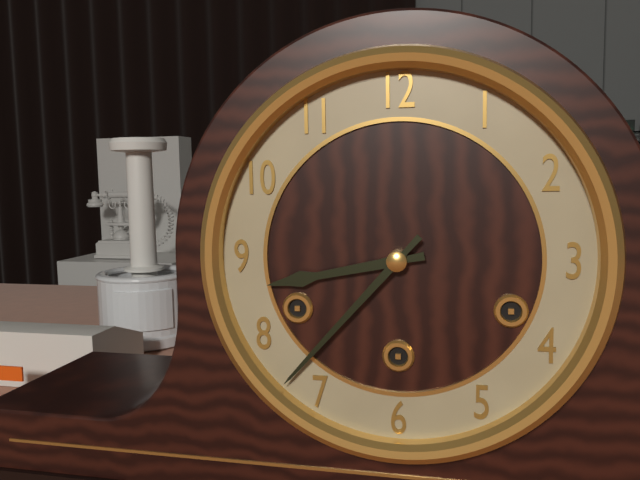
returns 8,37
